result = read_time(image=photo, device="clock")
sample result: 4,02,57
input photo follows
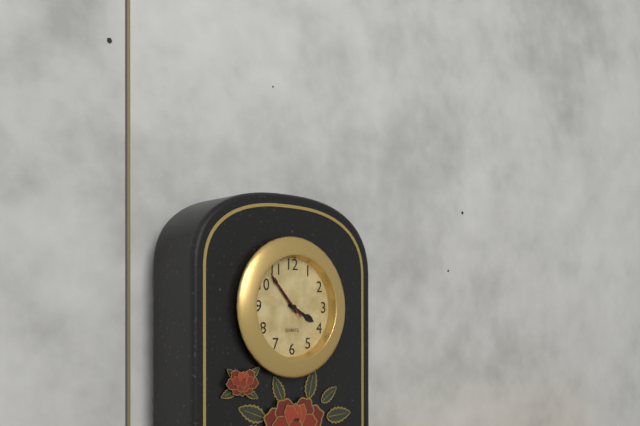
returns 3,53,53
